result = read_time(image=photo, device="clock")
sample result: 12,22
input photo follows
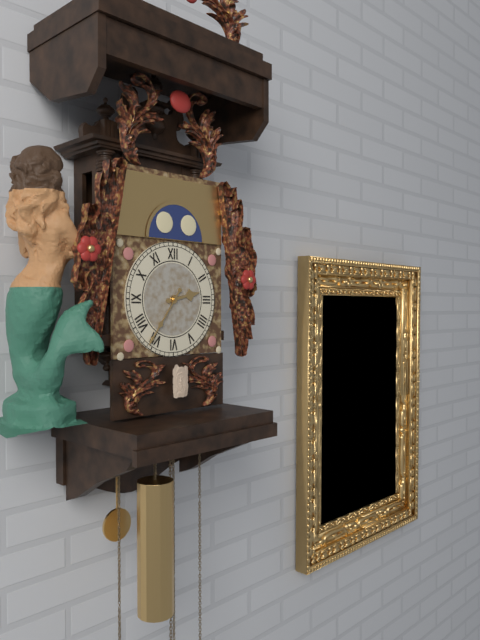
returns 2,36
